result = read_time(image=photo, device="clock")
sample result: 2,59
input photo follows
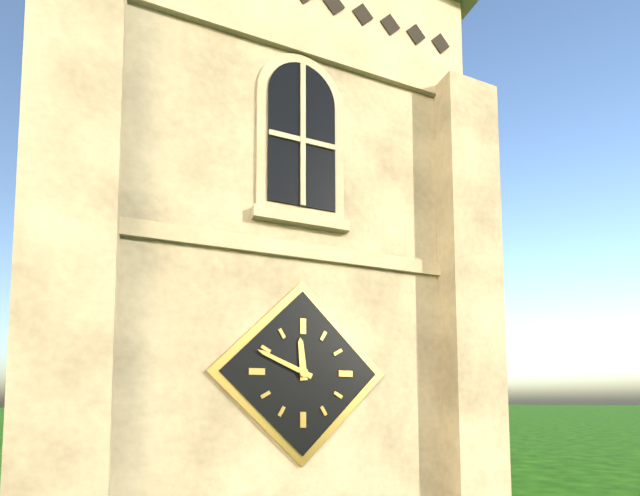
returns 11,49
